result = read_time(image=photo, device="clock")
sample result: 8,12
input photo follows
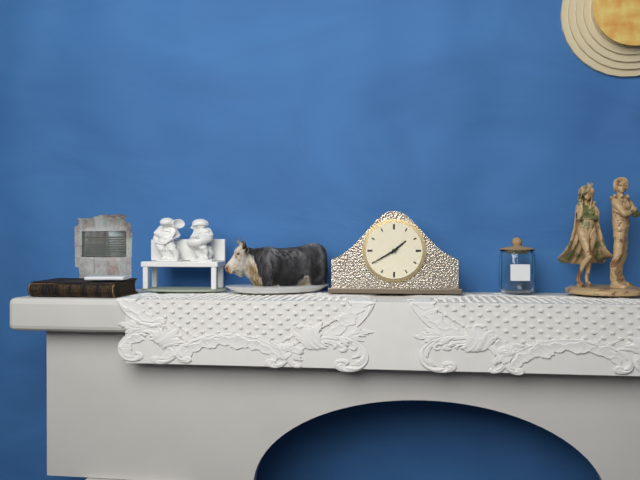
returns 1,40
